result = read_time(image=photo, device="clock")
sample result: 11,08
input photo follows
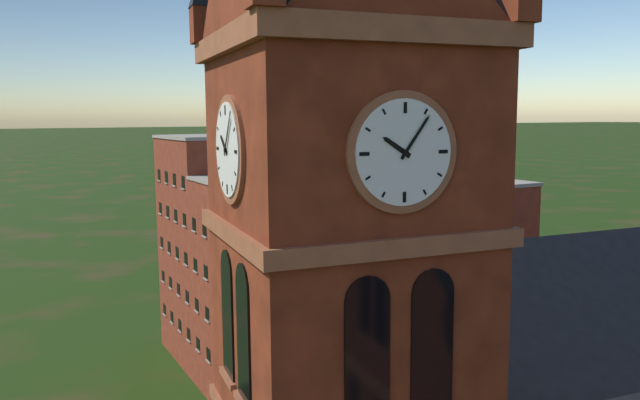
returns 10,06
